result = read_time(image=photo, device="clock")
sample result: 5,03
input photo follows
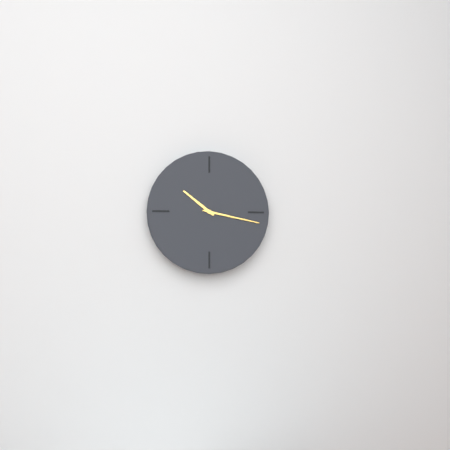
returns 10,17
